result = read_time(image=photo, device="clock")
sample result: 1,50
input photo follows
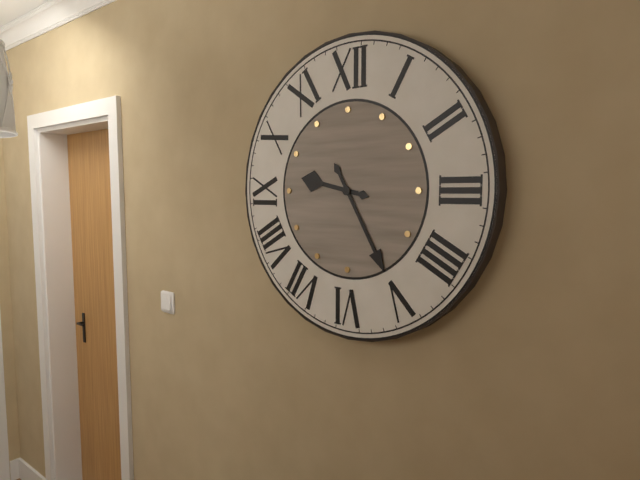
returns 9,25
